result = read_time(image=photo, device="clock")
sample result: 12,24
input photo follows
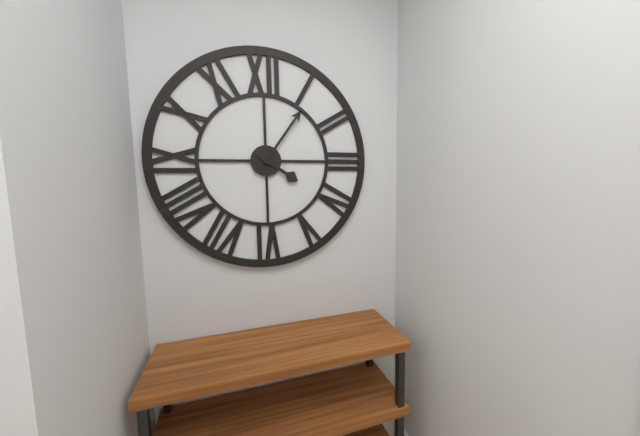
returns 4,06
